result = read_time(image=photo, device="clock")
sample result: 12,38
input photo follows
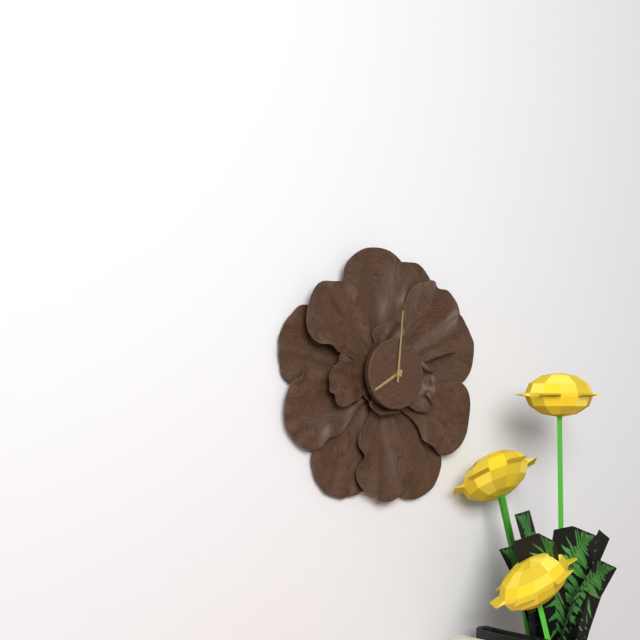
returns 8,01
